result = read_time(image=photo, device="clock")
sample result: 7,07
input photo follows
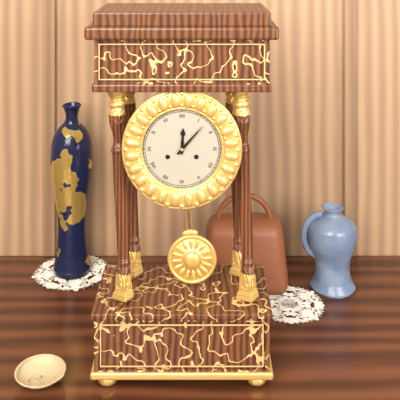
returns 12,07
